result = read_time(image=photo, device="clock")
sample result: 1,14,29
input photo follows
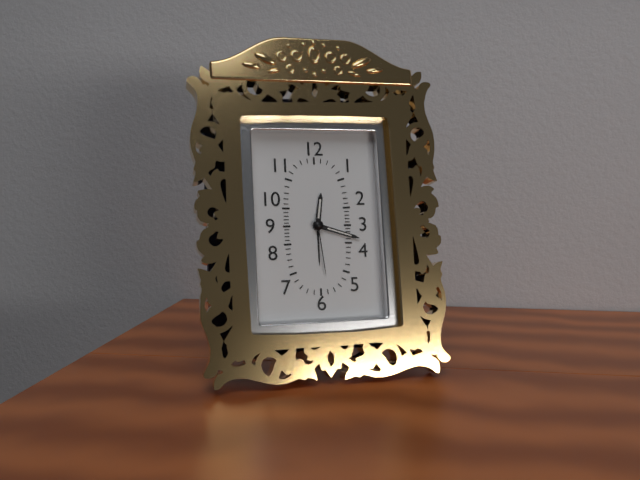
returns 12,18,29
